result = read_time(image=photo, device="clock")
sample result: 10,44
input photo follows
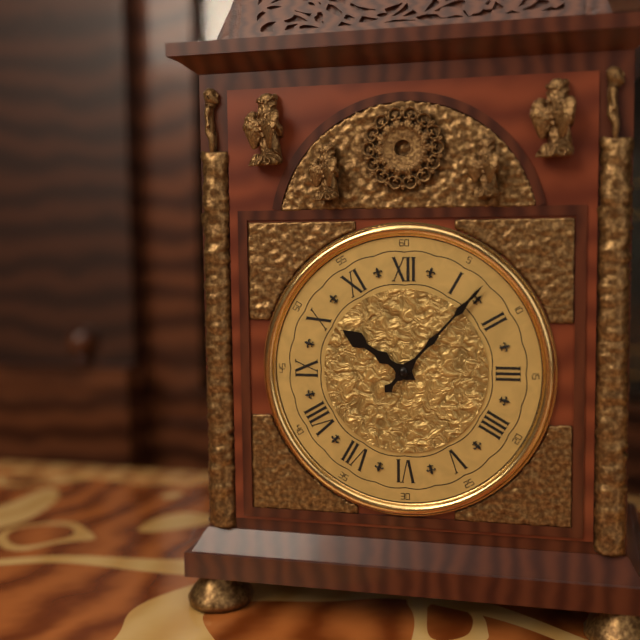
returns 10,07
